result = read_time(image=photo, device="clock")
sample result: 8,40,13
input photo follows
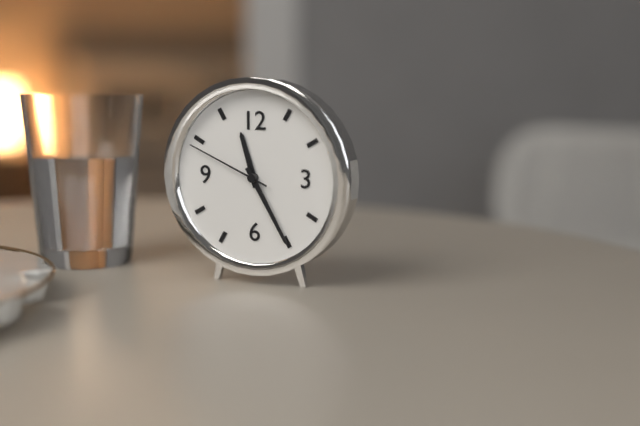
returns 11,25,49
